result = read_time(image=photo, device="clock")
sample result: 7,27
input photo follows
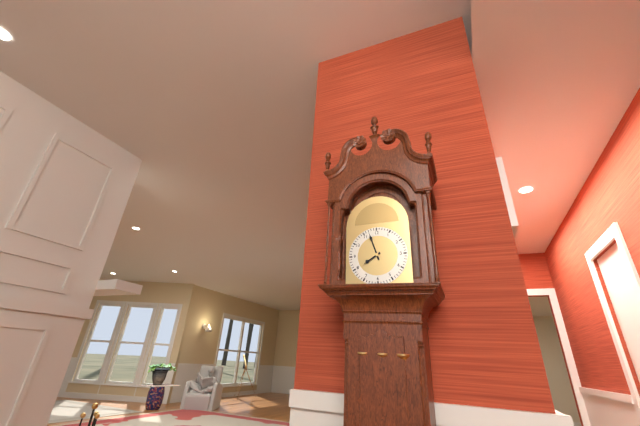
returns 7,57
